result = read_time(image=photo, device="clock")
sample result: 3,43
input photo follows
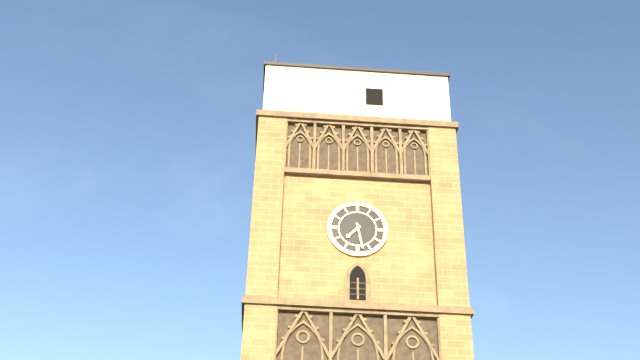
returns 7,28
